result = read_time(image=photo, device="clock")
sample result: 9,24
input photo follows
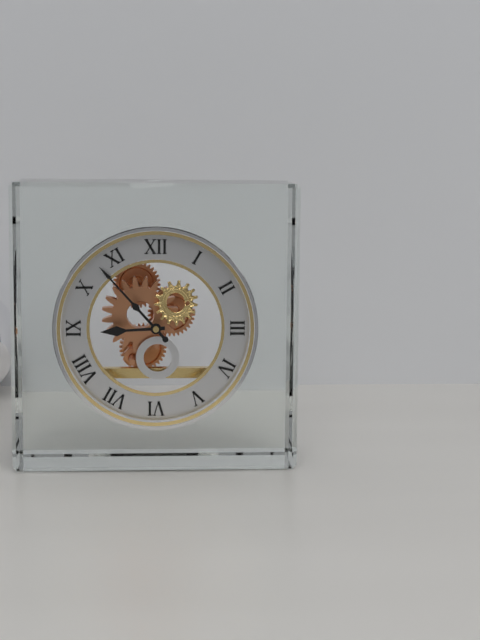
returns 8,53
